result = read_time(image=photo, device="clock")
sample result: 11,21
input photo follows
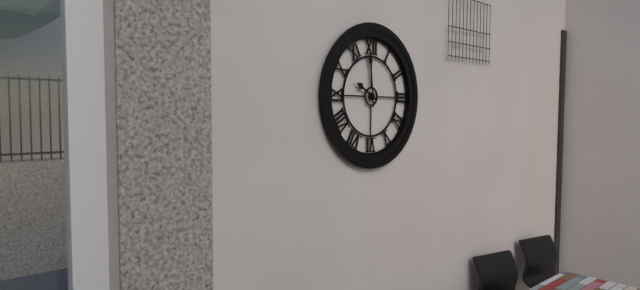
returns 9,59
